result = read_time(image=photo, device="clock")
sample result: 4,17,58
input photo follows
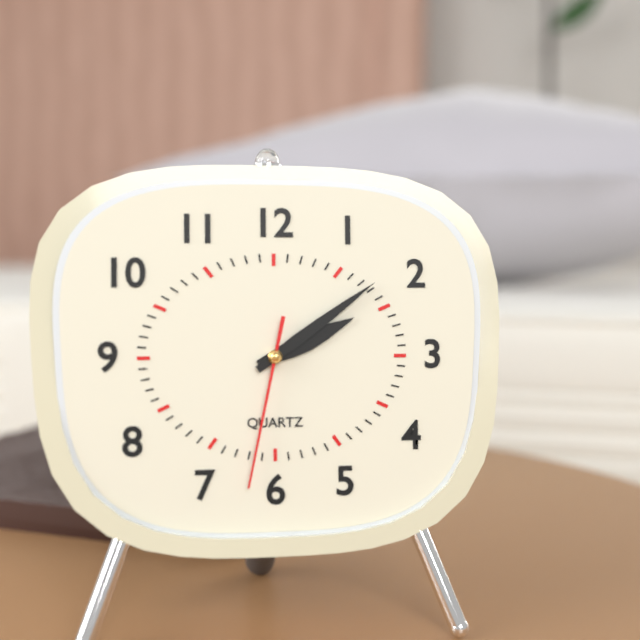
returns 2,09,32
